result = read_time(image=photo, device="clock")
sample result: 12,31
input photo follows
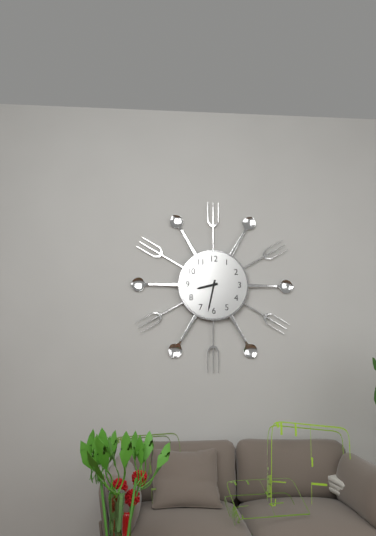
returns 8,32
